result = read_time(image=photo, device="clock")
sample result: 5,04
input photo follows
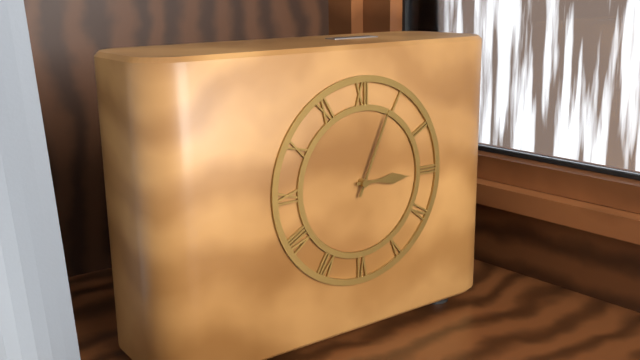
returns 3,04
